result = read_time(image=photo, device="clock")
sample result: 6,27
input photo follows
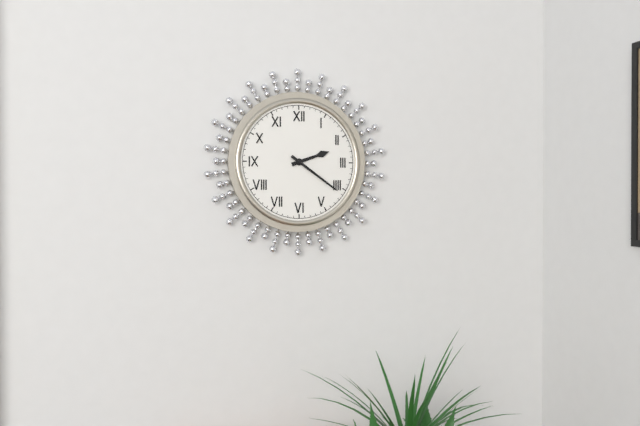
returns 2,21
